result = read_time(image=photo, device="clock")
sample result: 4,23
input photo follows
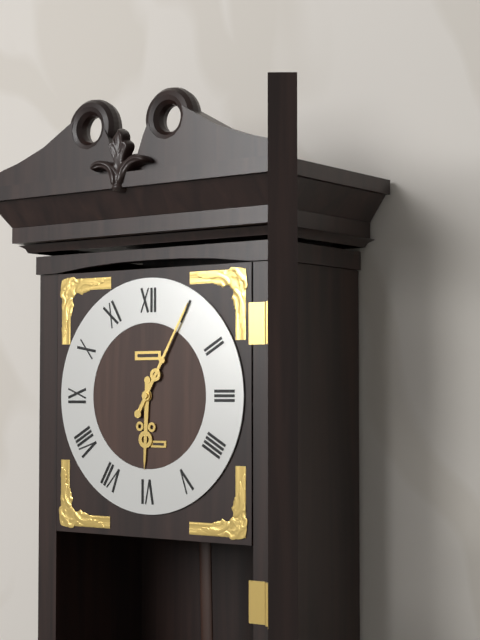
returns 6,05
